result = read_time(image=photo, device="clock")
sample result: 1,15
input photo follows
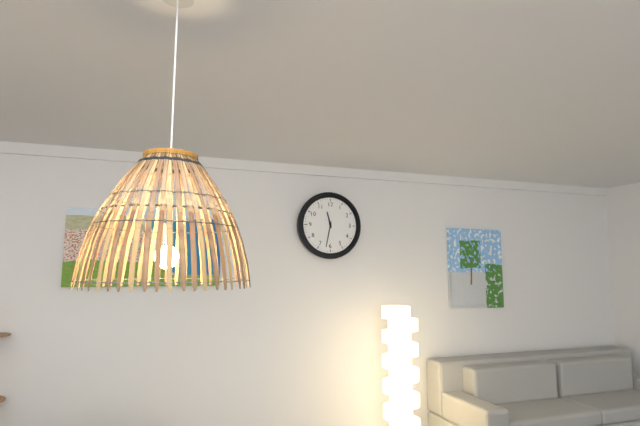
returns 11,32
